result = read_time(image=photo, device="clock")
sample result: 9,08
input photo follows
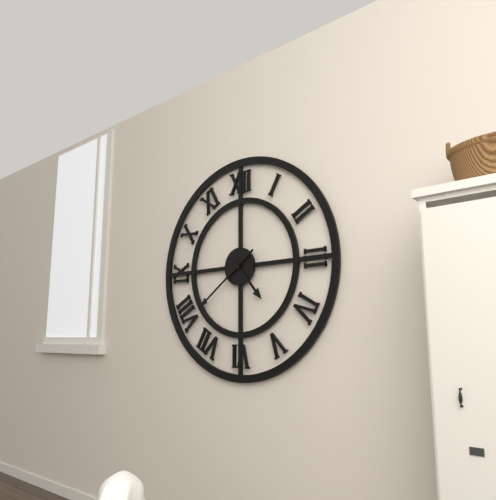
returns 4,39
